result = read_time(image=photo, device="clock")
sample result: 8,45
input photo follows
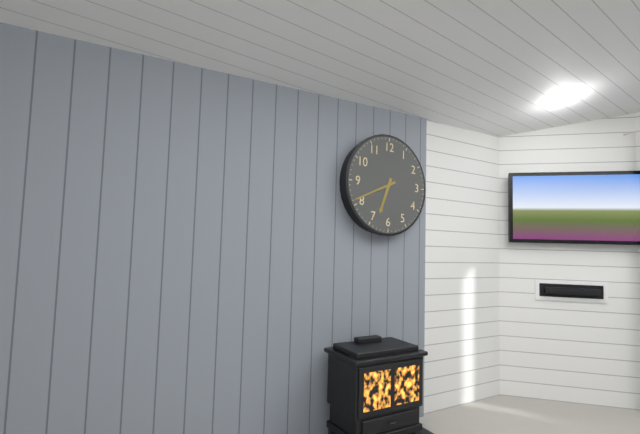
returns 6,41
